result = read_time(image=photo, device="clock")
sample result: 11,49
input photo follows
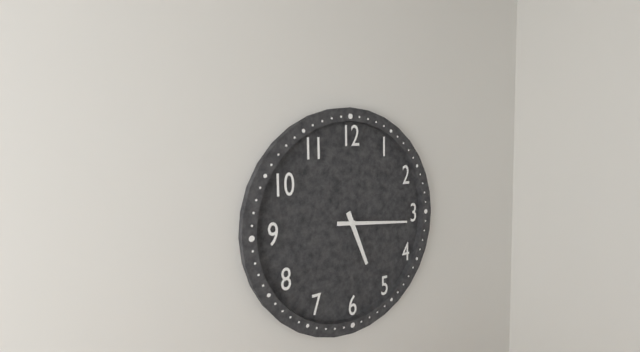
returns 5,16
